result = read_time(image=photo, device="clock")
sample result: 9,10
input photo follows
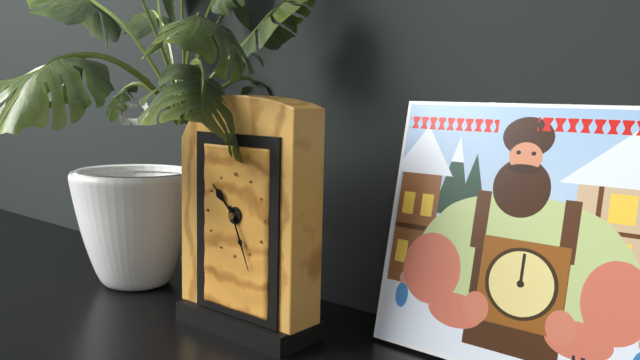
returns 10,26
